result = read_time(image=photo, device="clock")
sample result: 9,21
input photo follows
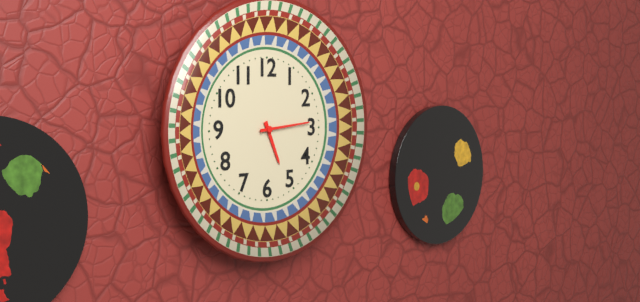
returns 5,14
